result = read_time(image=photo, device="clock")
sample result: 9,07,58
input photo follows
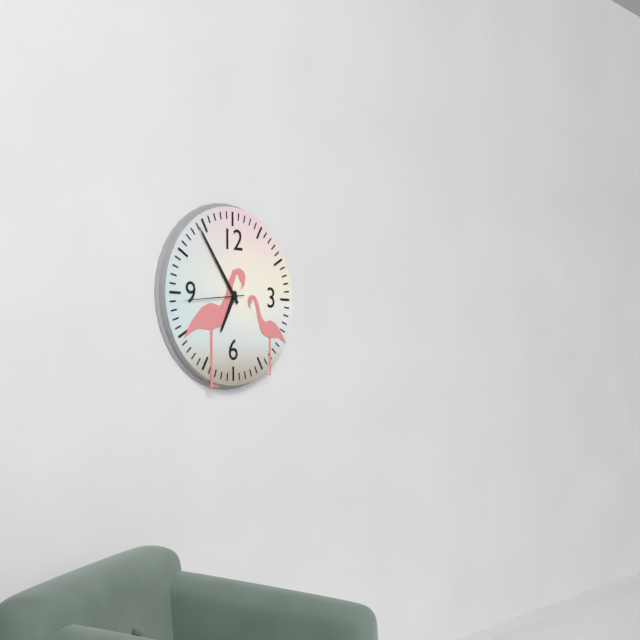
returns 6,54,44
